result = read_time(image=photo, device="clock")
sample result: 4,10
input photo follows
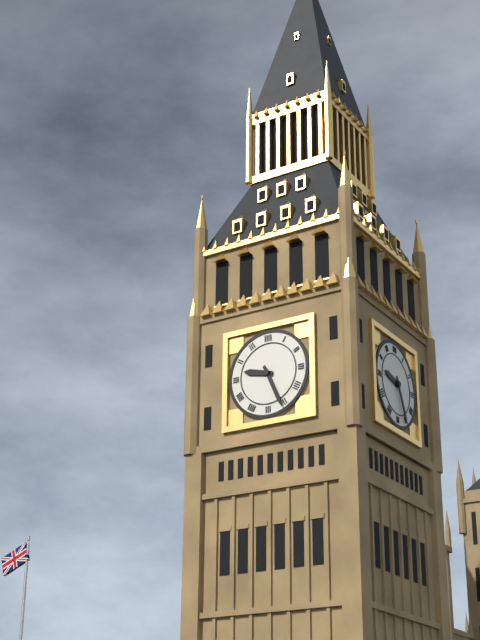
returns 9,26
